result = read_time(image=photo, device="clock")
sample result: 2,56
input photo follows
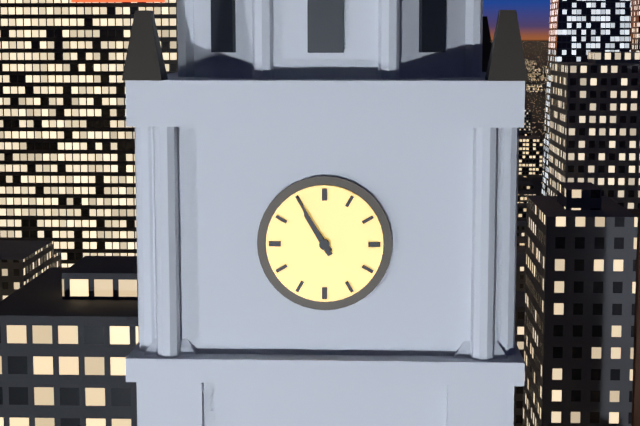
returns 10,55
